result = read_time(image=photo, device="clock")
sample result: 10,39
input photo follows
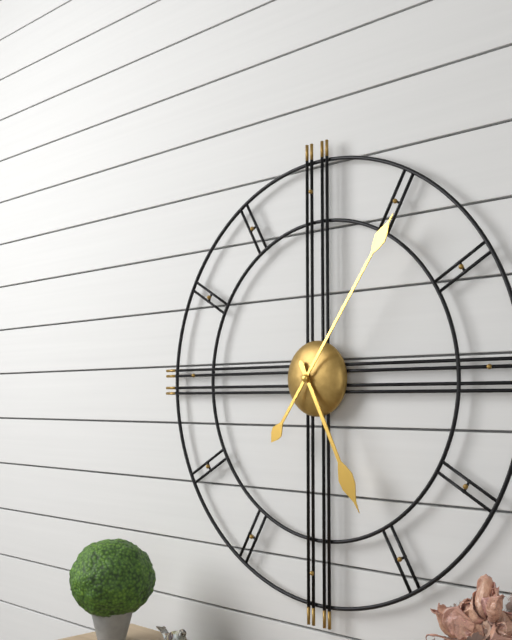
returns 5,06
